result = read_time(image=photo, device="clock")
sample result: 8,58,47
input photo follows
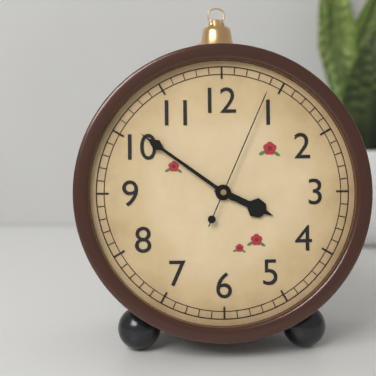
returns 3,51,04
